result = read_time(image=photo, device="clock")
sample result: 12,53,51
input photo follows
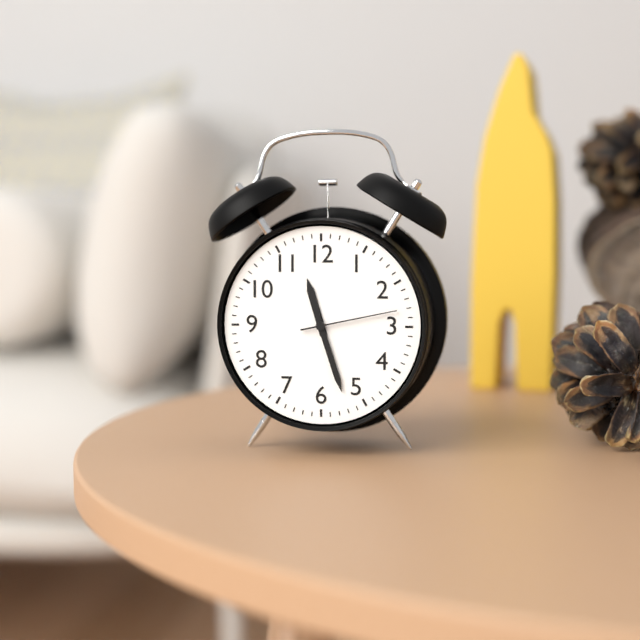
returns 11,27,13
